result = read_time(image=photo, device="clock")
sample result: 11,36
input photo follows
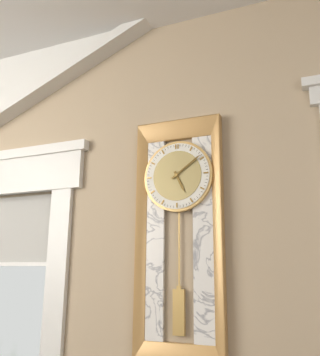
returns 5,09
